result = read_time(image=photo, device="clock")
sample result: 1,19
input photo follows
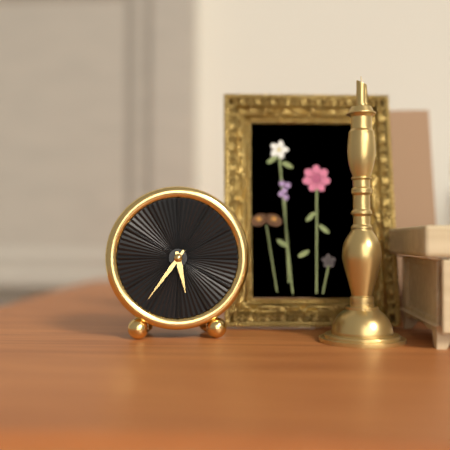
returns 5,36
